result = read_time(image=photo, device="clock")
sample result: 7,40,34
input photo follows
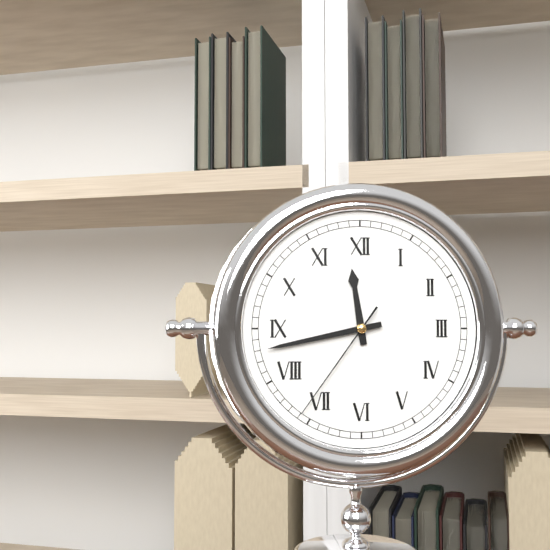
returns 11,43,36
